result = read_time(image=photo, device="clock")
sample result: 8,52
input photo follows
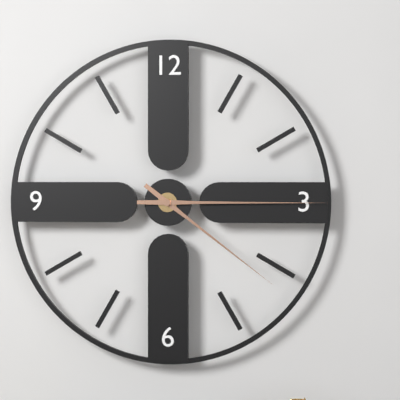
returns 4,15
